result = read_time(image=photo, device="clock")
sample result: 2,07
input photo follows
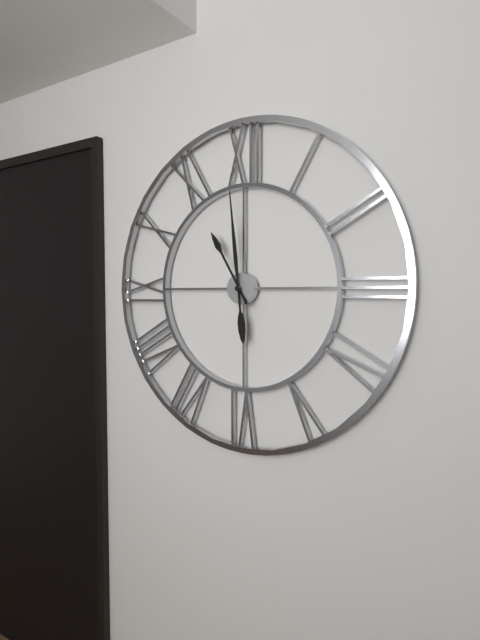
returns 10,59
